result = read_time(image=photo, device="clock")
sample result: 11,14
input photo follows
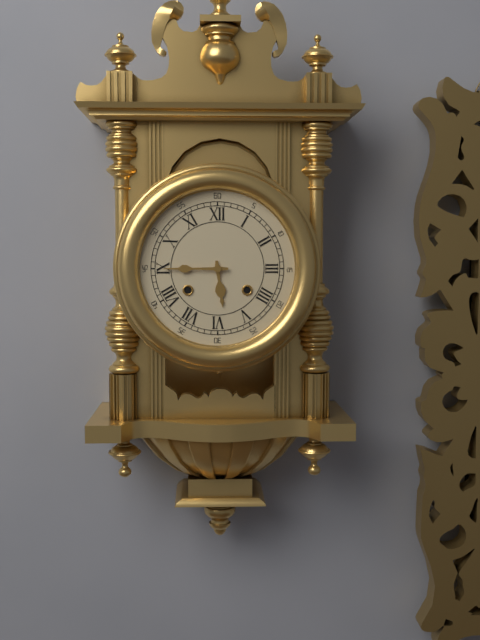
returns 5,45
